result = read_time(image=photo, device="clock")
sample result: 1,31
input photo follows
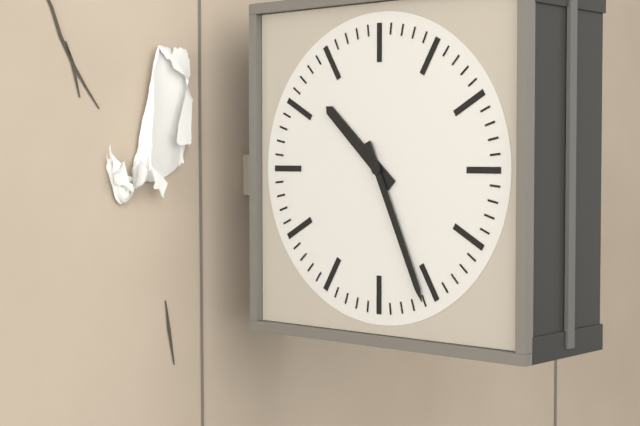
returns 10,26
